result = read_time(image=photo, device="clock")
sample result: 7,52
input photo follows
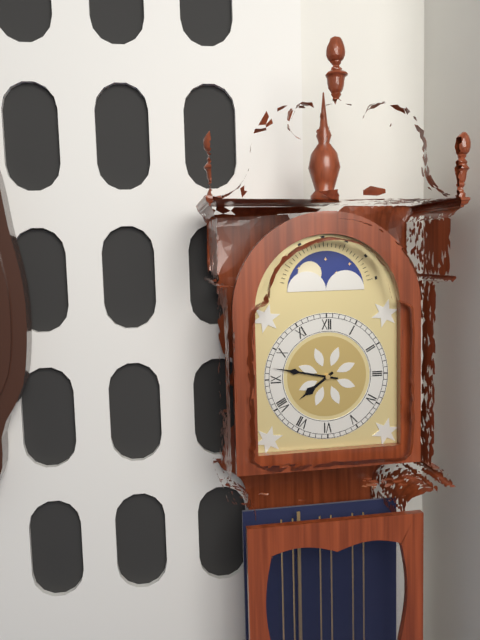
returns 7,47
